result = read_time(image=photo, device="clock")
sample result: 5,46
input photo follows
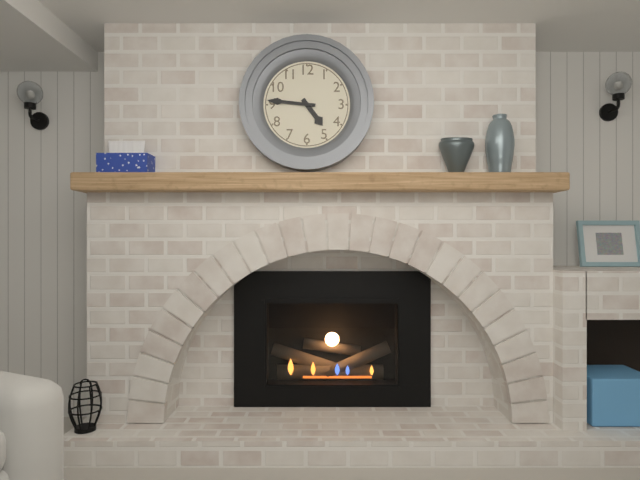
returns 4,46
